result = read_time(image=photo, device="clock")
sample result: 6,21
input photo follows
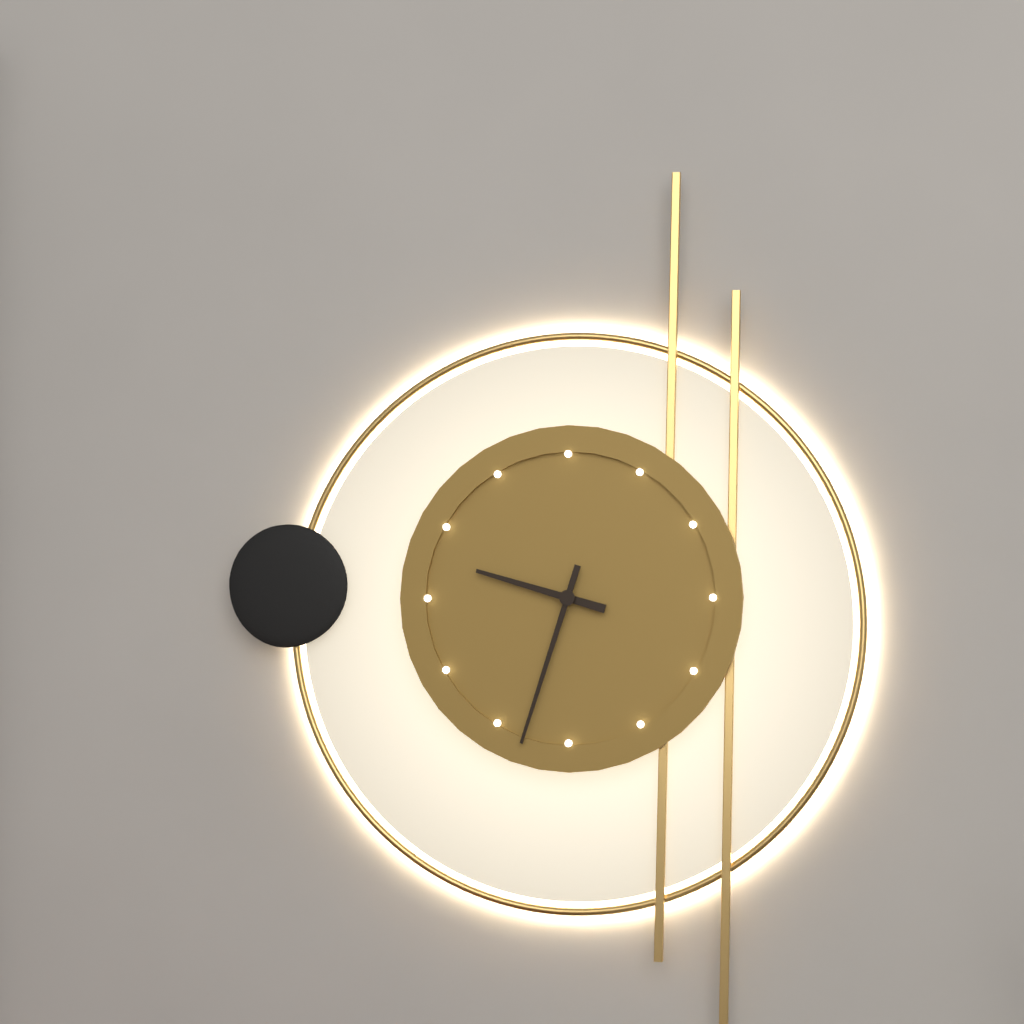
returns 9,33
